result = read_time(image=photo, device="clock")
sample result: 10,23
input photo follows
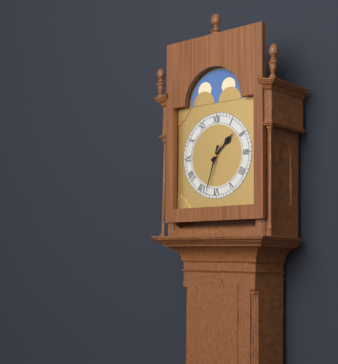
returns 1,33
